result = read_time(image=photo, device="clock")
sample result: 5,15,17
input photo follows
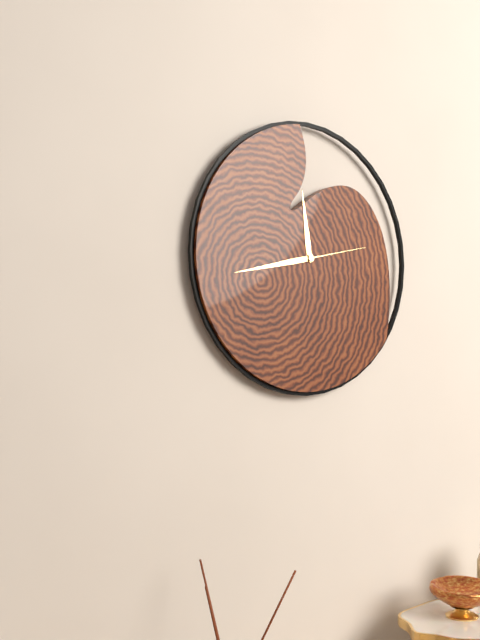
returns 11,43,13
